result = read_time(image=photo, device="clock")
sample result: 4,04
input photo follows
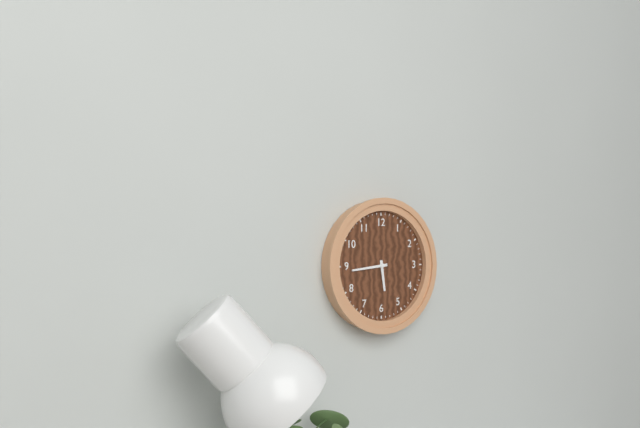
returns 5,44
